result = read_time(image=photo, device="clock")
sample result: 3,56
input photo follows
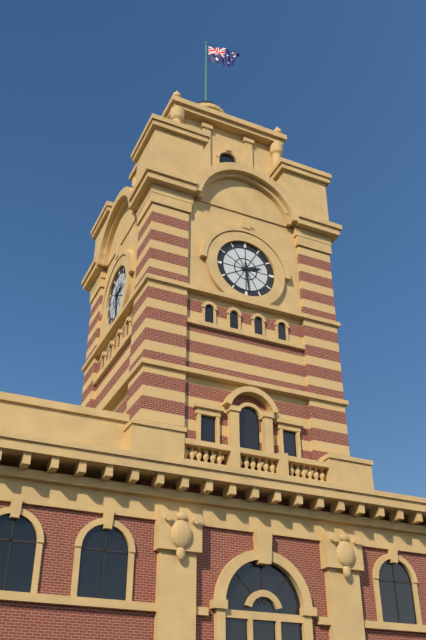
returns 2,29
